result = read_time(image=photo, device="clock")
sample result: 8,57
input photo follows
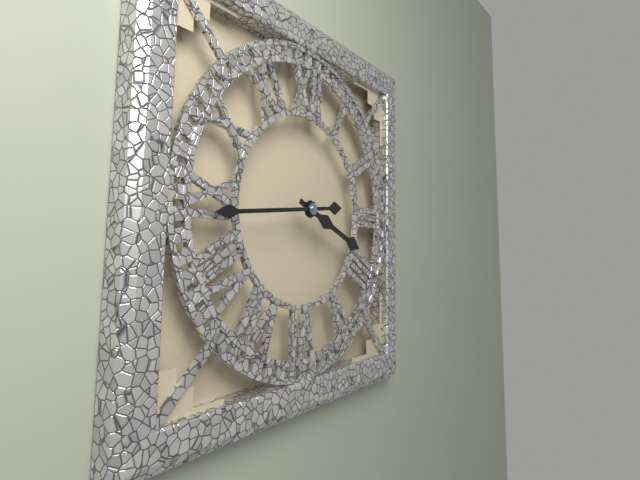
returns 3,44
